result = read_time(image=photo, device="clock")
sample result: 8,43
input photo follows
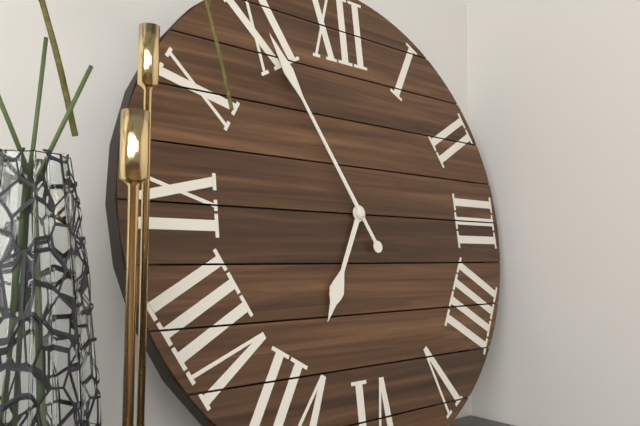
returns 6,55
